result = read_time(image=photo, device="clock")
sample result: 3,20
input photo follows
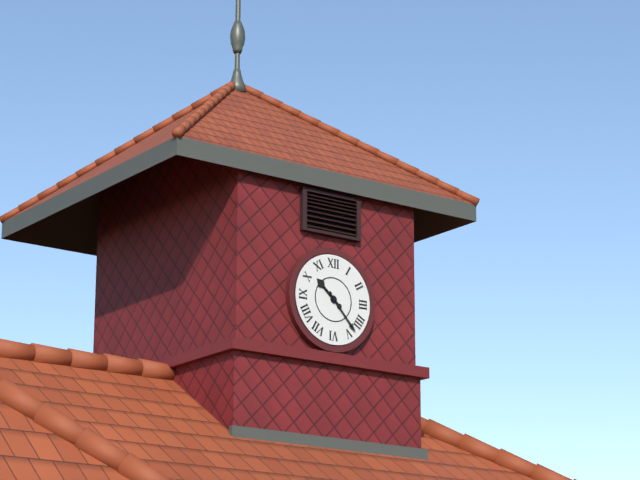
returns 10,23
